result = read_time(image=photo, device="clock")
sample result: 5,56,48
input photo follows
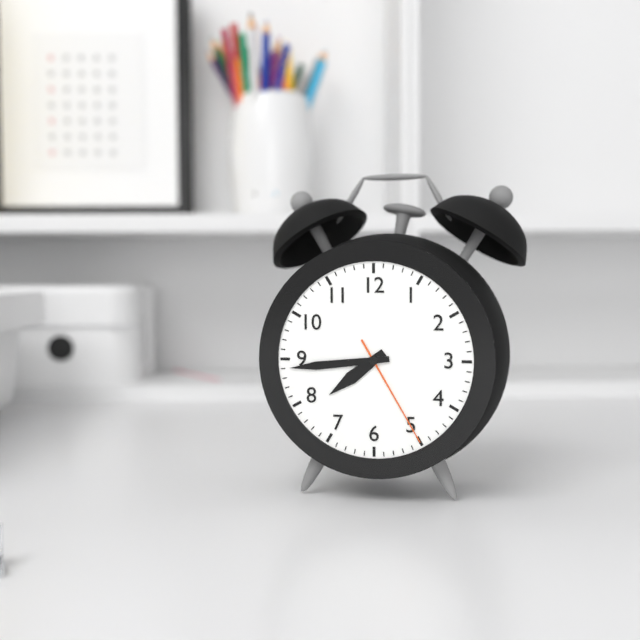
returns 7,44,25
